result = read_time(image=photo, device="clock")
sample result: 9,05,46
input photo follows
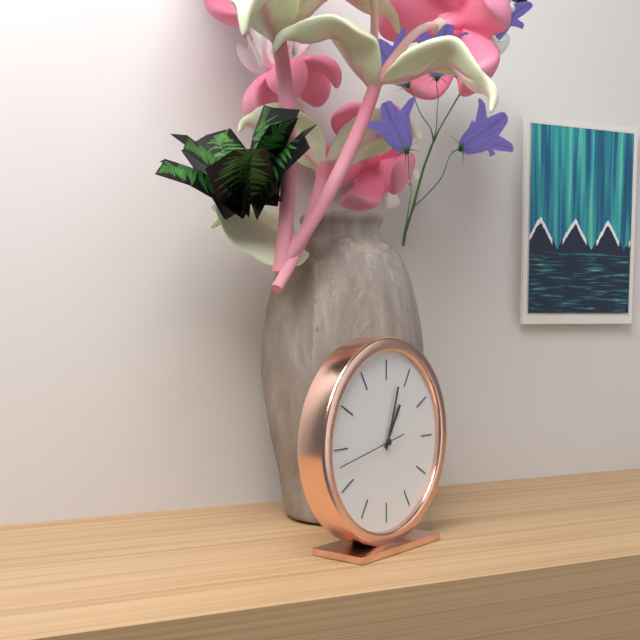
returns 1,03,43
